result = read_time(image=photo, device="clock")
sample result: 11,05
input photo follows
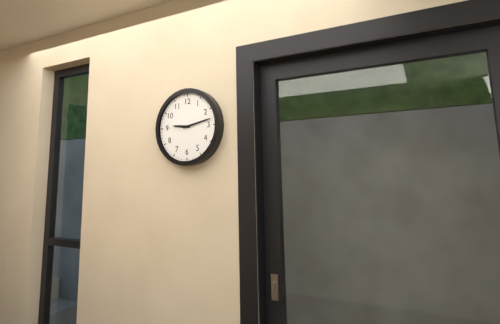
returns 9,13
